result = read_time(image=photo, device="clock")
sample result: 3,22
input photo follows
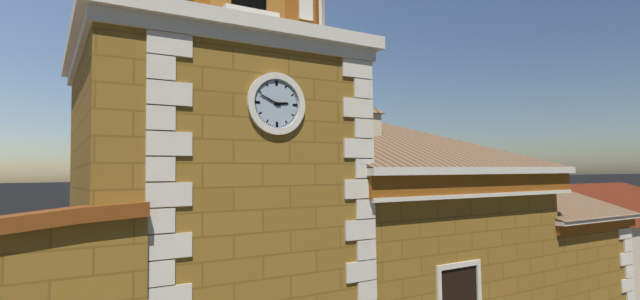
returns 2,49
